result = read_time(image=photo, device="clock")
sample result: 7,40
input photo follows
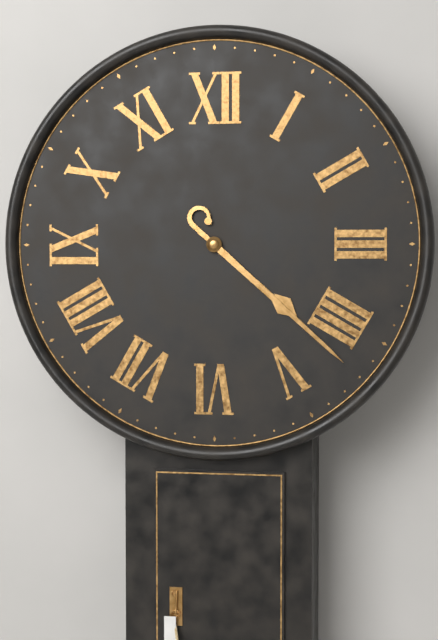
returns 4,22
